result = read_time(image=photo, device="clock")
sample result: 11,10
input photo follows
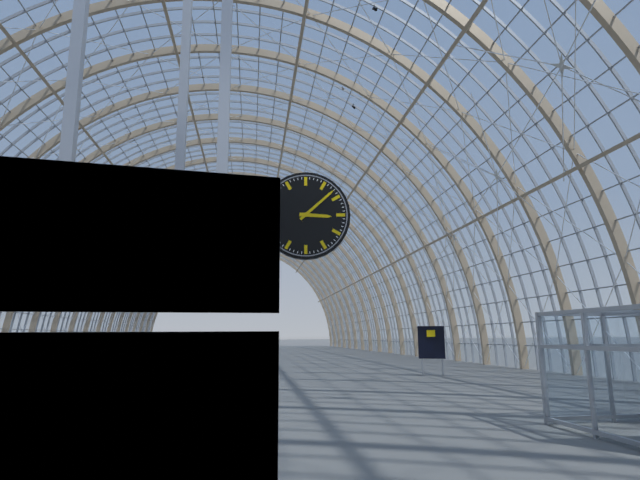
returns 3,08
